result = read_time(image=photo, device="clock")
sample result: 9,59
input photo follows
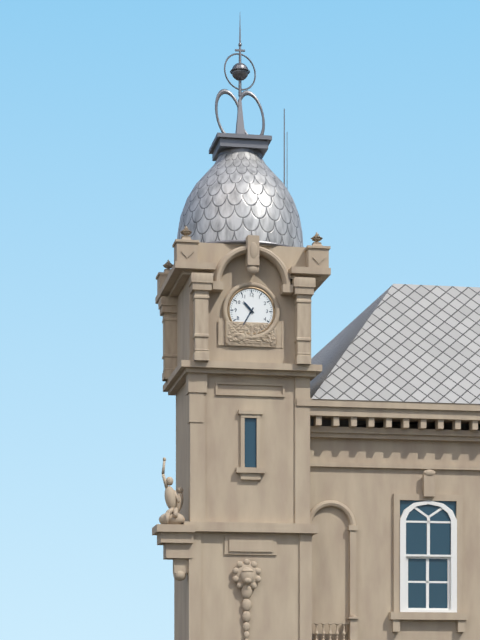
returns 10,35
